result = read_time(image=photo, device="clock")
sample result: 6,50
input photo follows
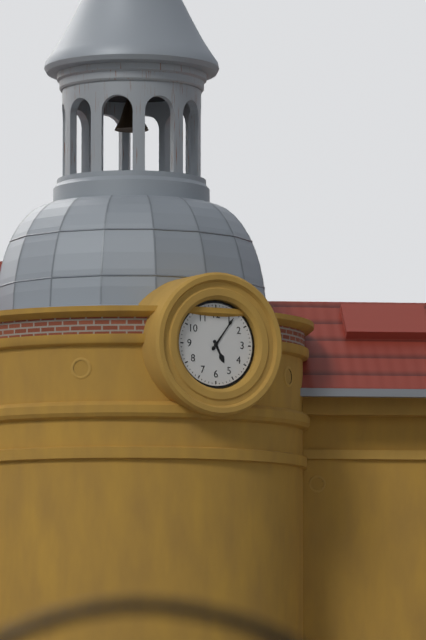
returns 5,06
